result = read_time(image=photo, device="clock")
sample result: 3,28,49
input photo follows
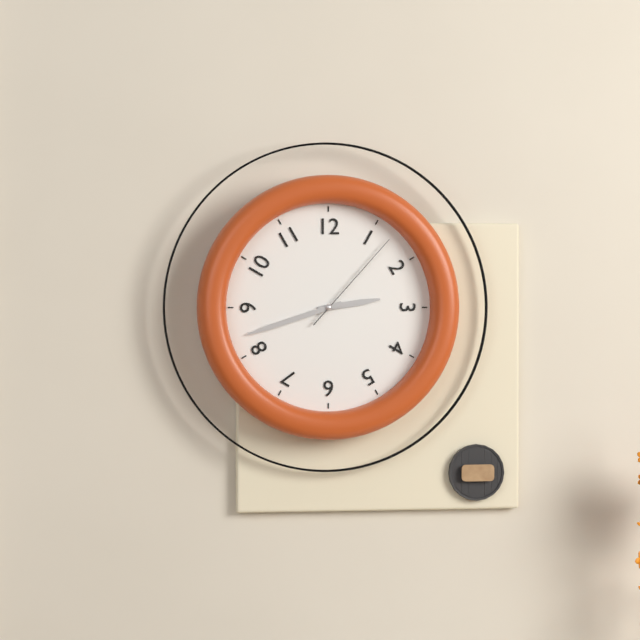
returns 2,42,07
